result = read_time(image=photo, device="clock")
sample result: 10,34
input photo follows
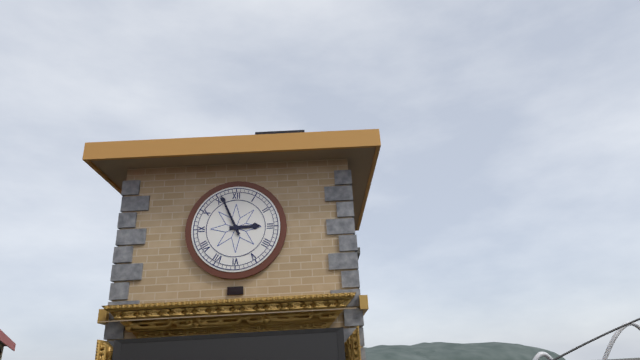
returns 2,56
